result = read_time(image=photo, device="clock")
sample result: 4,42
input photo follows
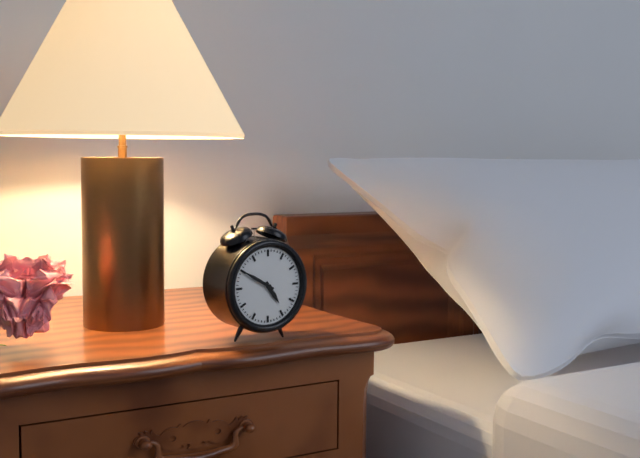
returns 4,50
